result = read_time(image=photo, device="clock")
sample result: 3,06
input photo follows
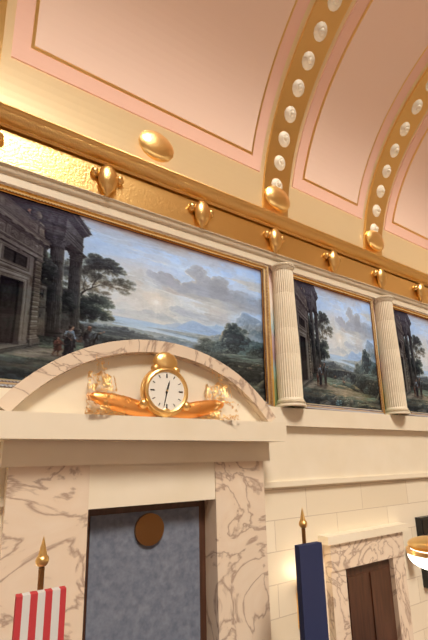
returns 12,32
